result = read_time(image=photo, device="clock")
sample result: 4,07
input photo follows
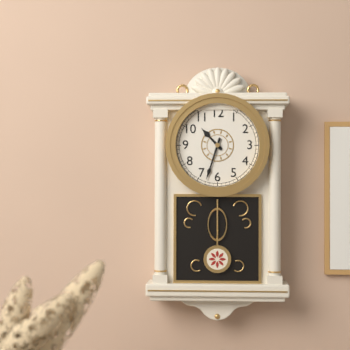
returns 10,33
